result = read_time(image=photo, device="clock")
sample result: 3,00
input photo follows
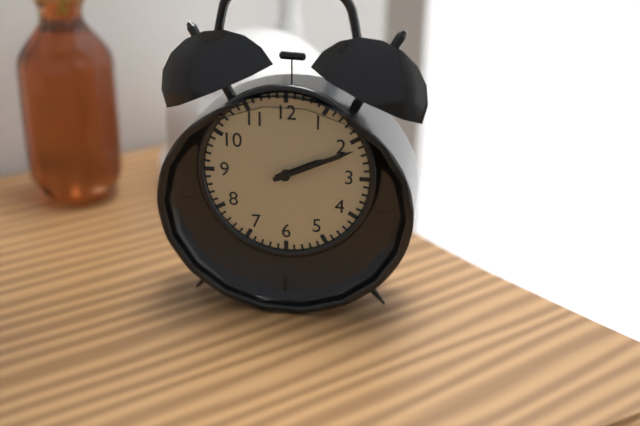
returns 2,11
